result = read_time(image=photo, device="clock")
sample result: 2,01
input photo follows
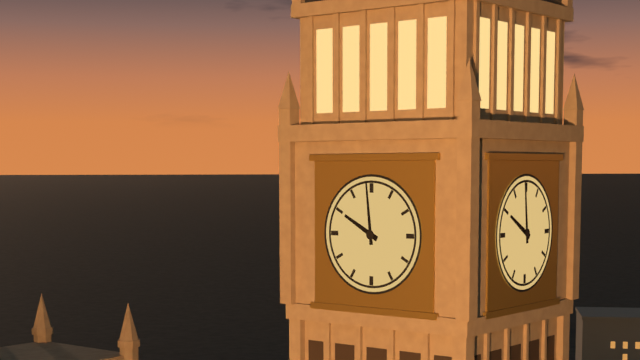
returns 9,59
